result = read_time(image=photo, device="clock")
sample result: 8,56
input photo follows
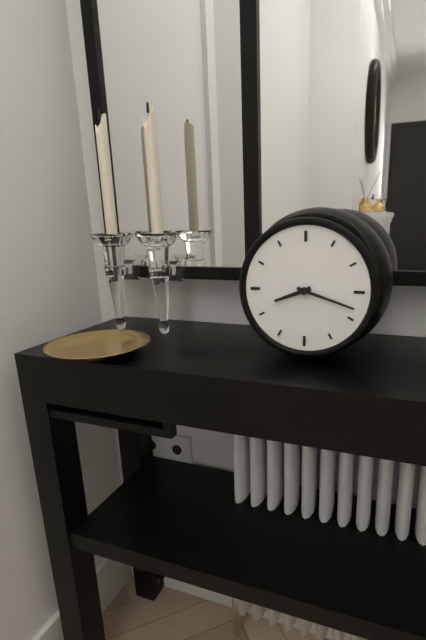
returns 8,18
